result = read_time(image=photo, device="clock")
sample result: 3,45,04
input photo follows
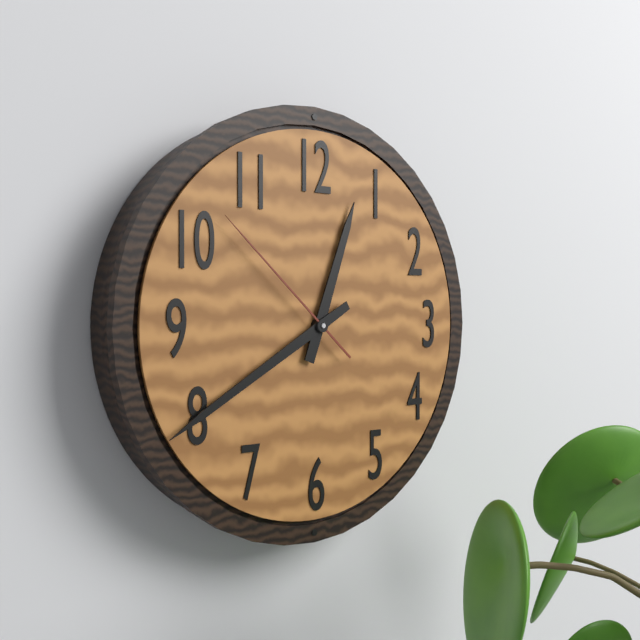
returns 12,40,52
